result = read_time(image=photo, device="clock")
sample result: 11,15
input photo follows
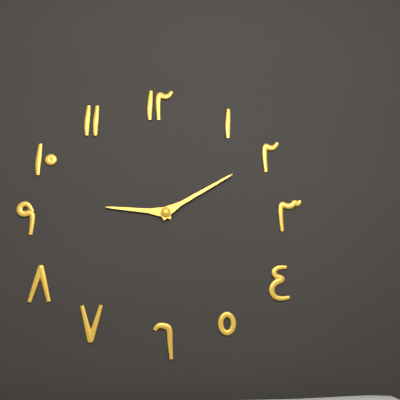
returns 9,10
